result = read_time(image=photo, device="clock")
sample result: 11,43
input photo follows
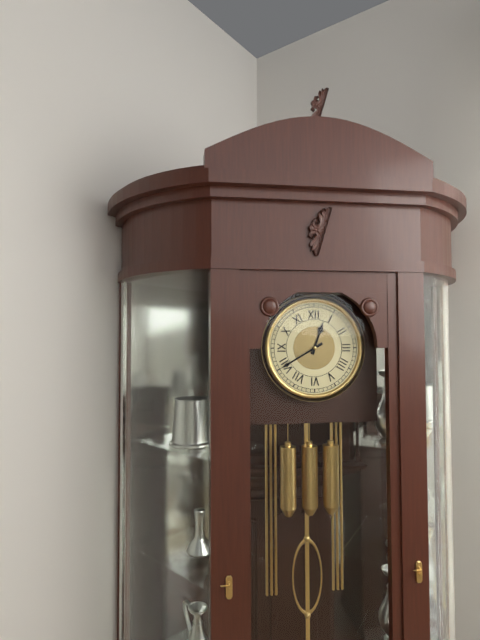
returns 12,40
